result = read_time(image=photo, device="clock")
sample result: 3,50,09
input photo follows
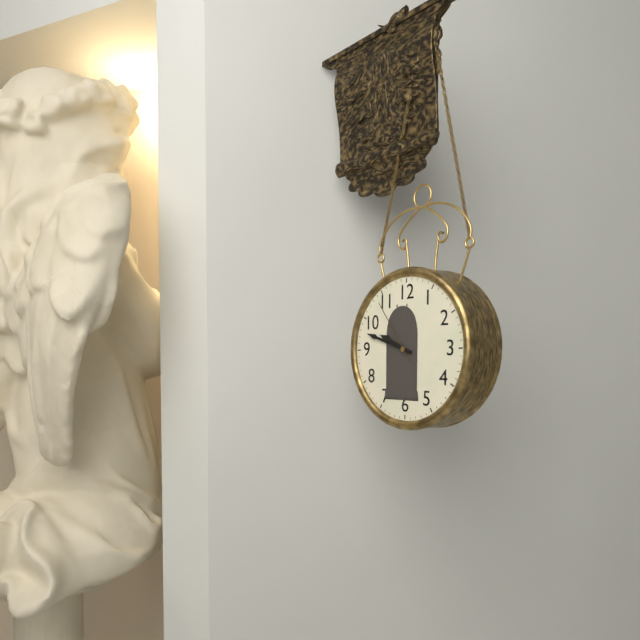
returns 9,48,54
